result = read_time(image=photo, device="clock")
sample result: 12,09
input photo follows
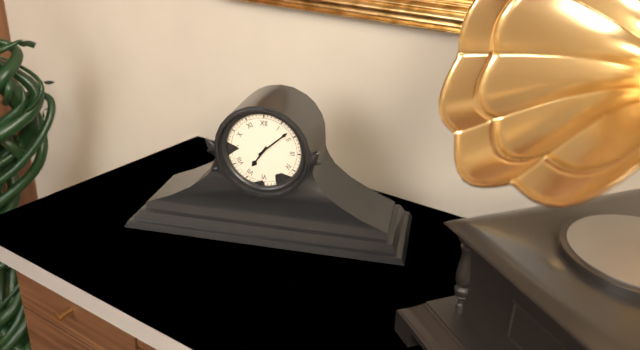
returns 7,08
